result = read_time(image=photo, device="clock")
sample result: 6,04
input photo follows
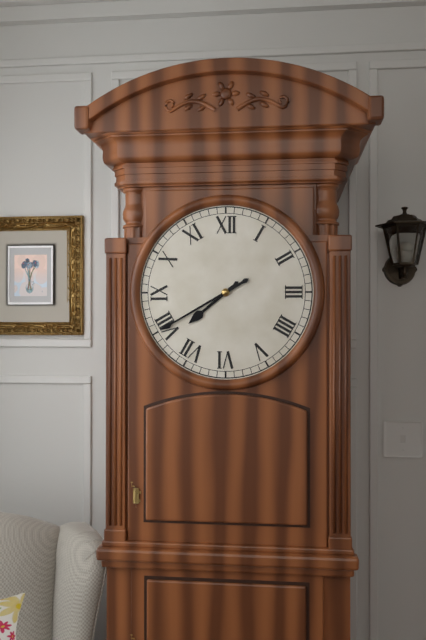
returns 7,40
